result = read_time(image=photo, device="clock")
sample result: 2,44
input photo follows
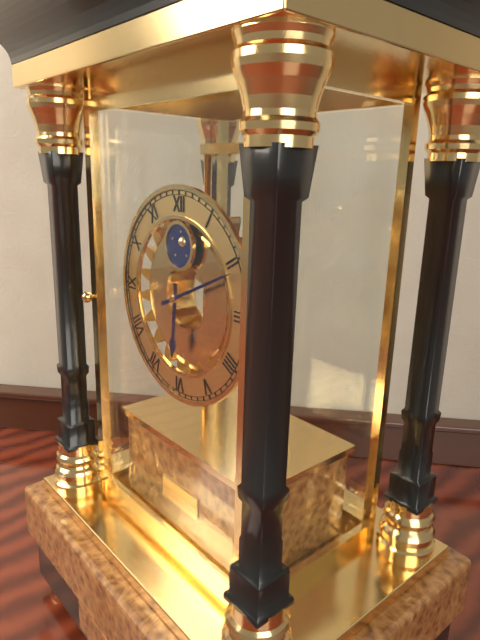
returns 6,11
